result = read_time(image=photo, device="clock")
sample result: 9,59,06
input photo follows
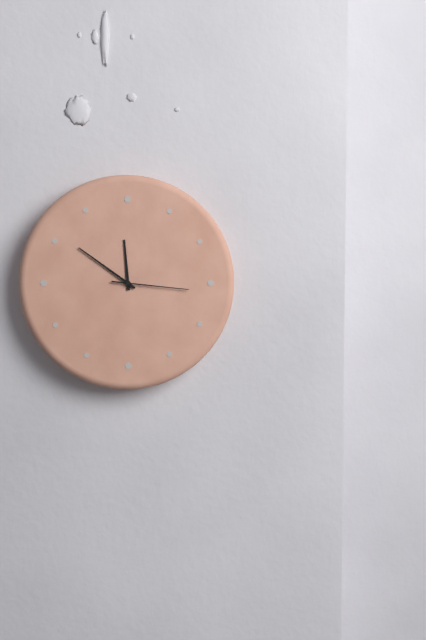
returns 11,51,16
